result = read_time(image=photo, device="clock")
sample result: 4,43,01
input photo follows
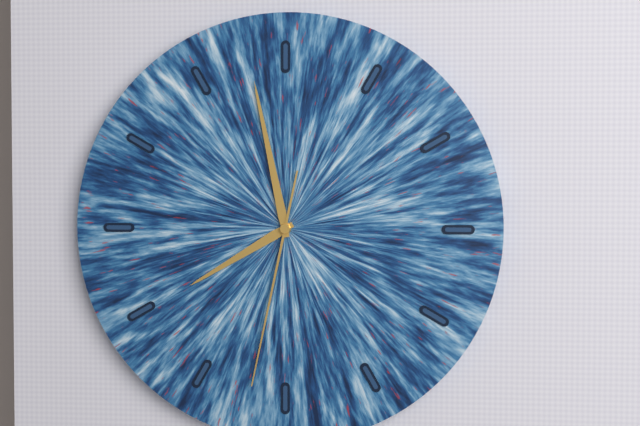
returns 7,58,32
